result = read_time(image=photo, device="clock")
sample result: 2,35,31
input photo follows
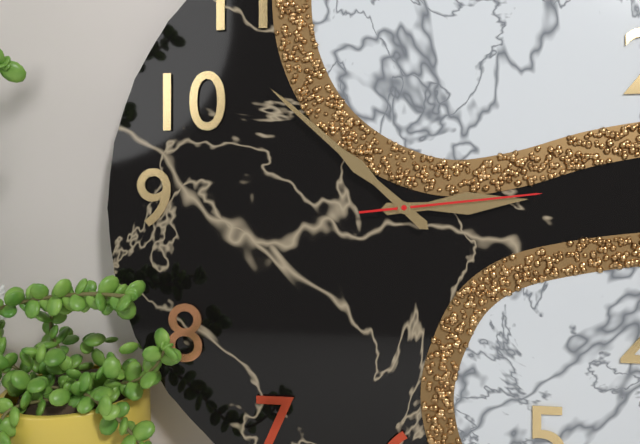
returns 2,52,14
